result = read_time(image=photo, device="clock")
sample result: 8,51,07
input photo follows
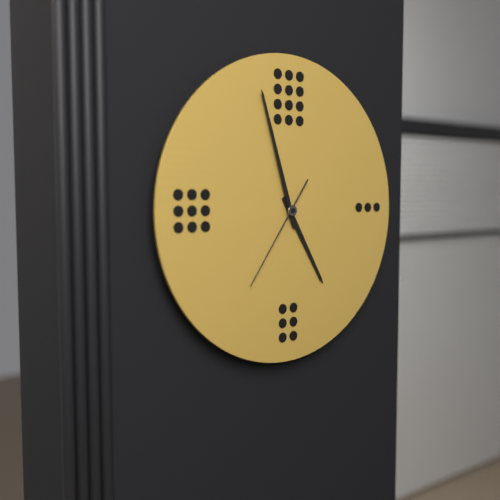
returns 4,57,36
